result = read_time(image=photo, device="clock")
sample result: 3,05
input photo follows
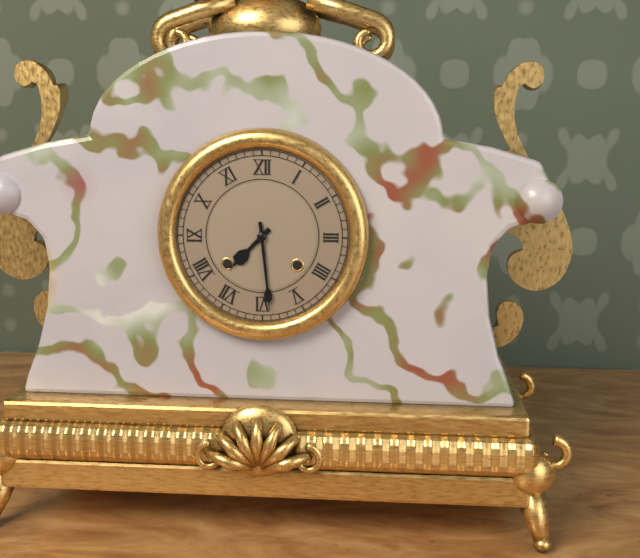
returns 7,29
